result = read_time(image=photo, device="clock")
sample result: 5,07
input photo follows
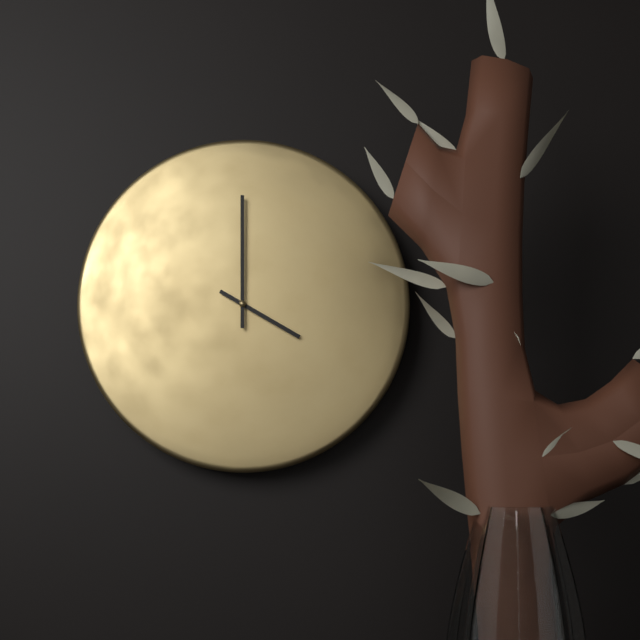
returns 4,00
